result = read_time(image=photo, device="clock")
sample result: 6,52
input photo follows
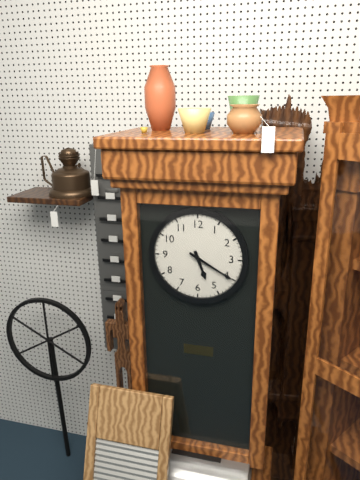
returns 5,20
